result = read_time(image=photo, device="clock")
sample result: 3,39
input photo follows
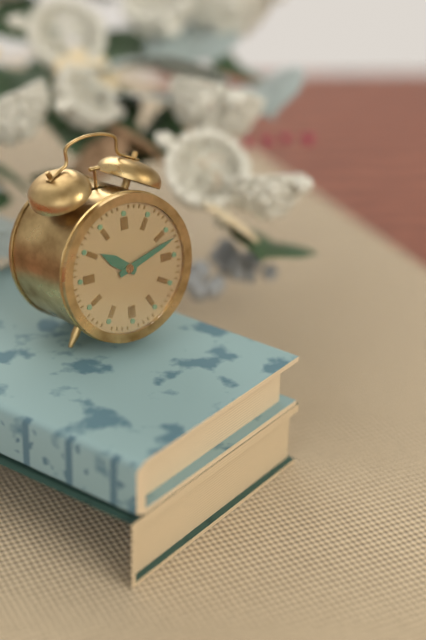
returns 10,12
